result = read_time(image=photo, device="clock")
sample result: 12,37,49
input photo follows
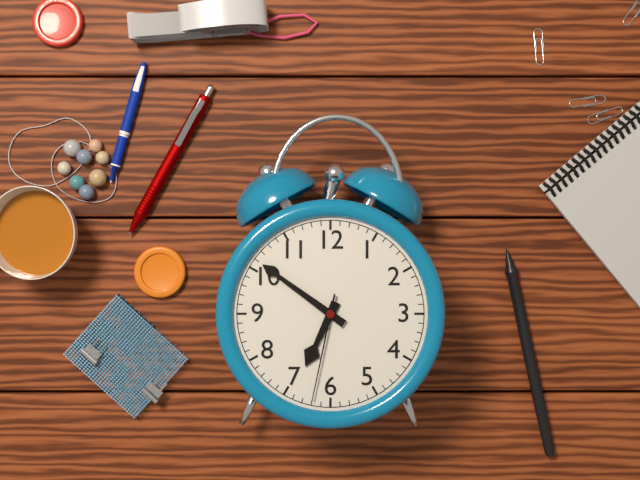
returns 6,51,32
